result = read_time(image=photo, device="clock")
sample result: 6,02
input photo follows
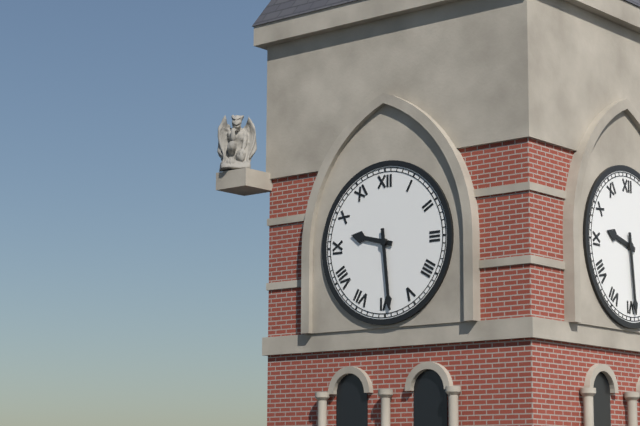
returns 9,29
